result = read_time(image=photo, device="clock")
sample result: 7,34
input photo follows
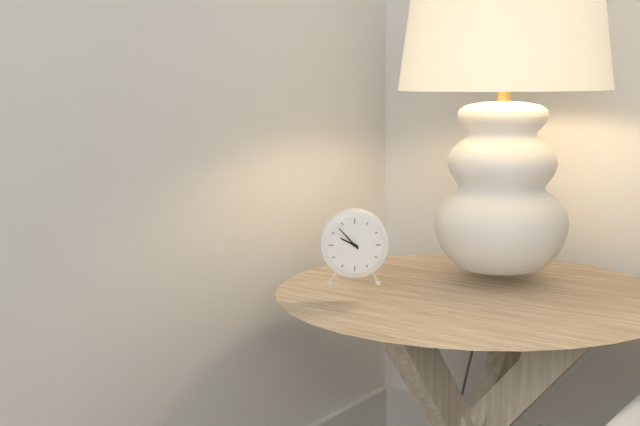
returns 9,53
